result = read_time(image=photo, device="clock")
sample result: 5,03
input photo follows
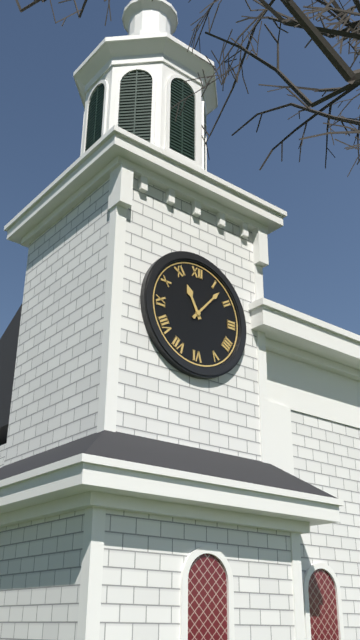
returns 11,07
